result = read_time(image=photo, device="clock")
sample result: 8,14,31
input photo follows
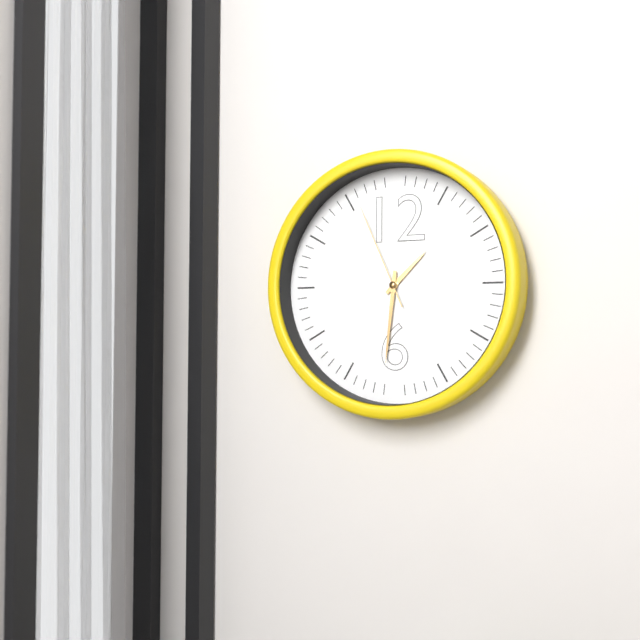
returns 1,31,56
